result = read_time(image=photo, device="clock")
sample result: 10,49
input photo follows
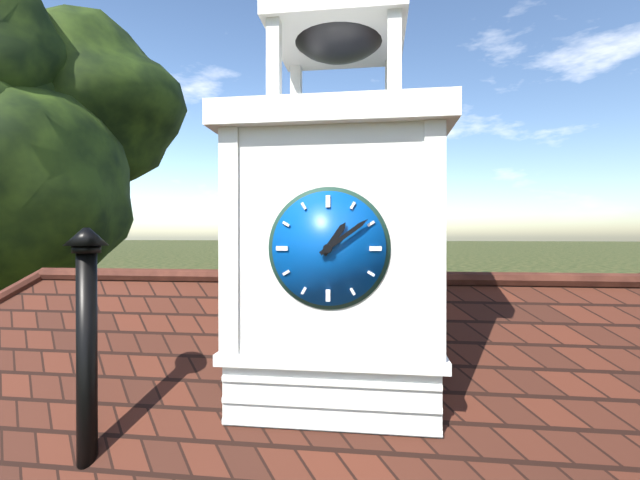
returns 1,09
